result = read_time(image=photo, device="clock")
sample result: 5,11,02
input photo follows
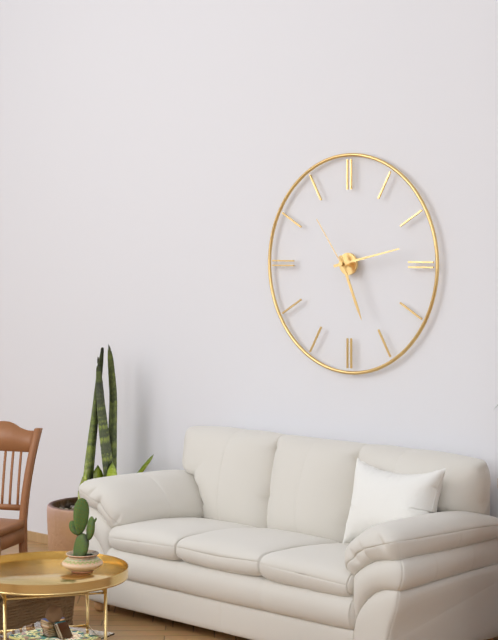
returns 5,13,54
